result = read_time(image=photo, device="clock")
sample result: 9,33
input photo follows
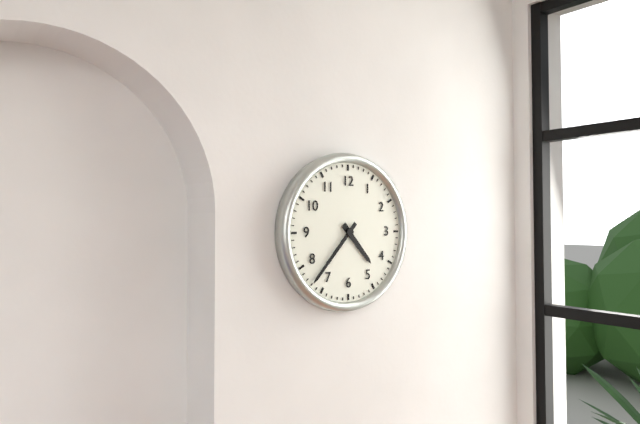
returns 4,37
